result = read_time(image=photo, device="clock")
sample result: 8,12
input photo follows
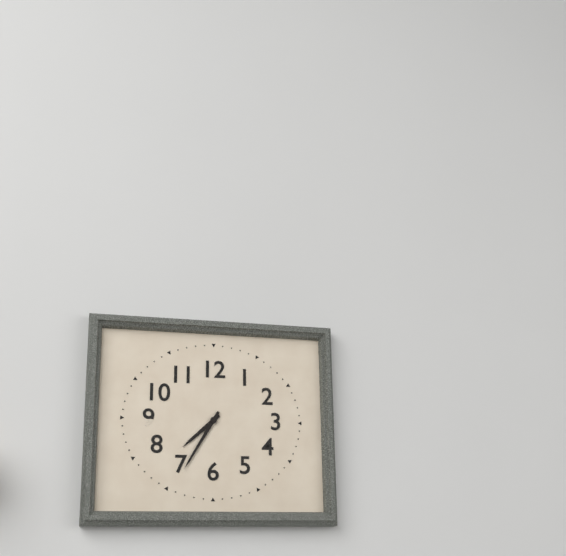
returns 7,35
